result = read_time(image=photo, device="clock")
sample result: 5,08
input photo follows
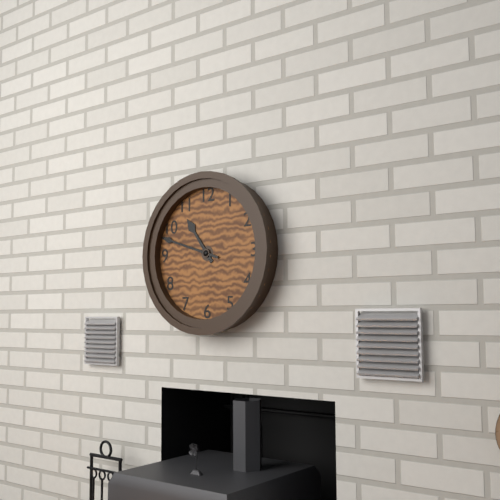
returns 10,48
